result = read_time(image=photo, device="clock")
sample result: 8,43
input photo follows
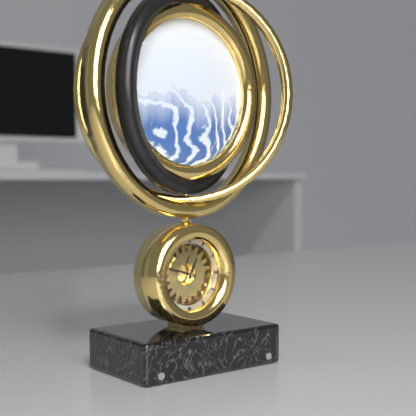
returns 12,48
